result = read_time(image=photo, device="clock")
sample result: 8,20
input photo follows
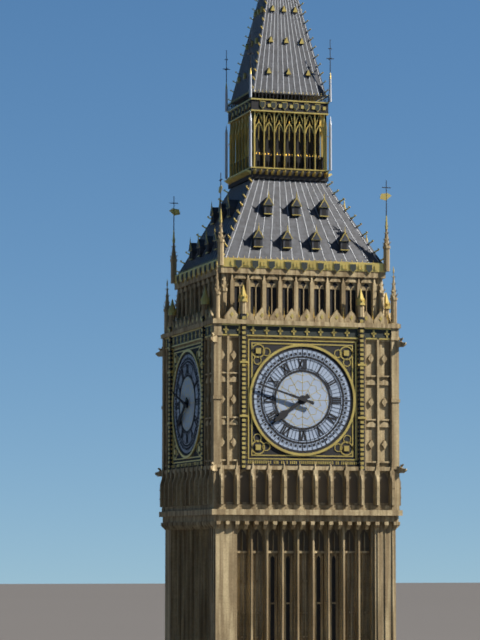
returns 7,48
